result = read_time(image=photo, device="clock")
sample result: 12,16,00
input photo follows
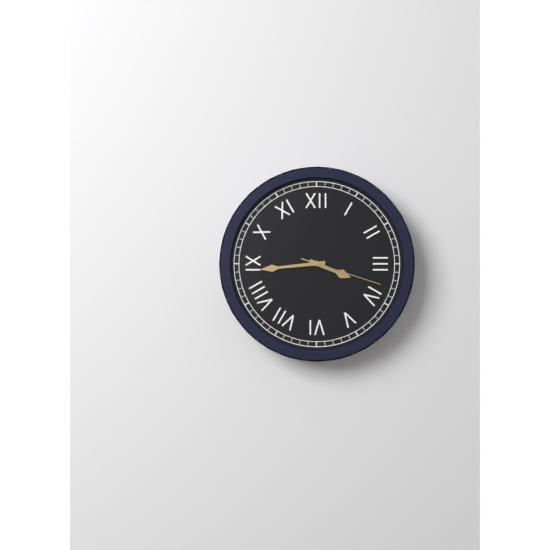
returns 3,44,18
